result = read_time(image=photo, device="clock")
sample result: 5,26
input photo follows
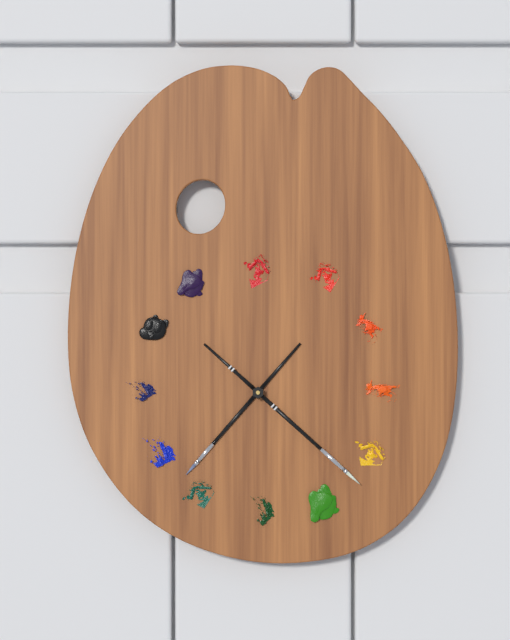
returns 7,22
